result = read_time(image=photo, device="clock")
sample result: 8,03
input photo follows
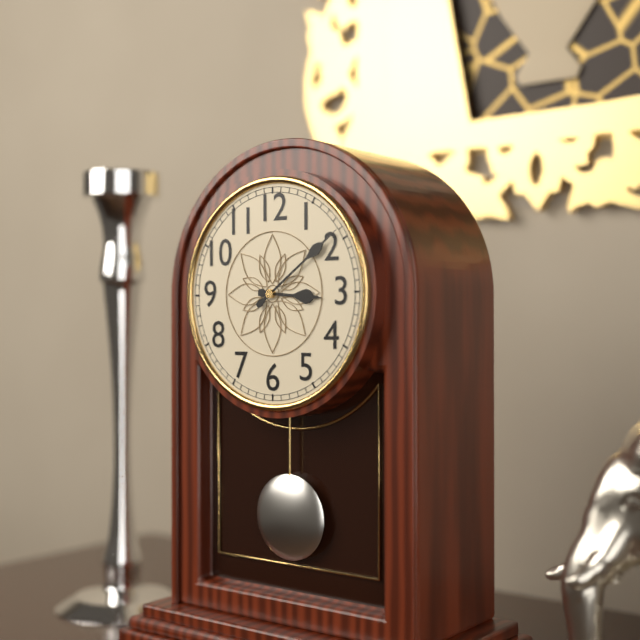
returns 3,09
